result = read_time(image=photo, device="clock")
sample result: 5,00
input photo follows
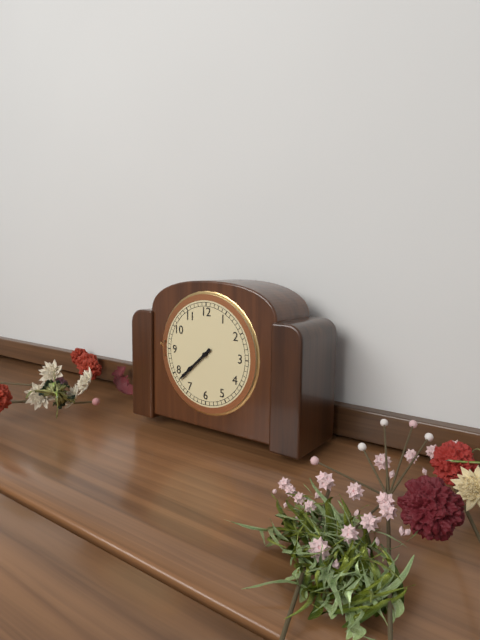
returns 7,38
